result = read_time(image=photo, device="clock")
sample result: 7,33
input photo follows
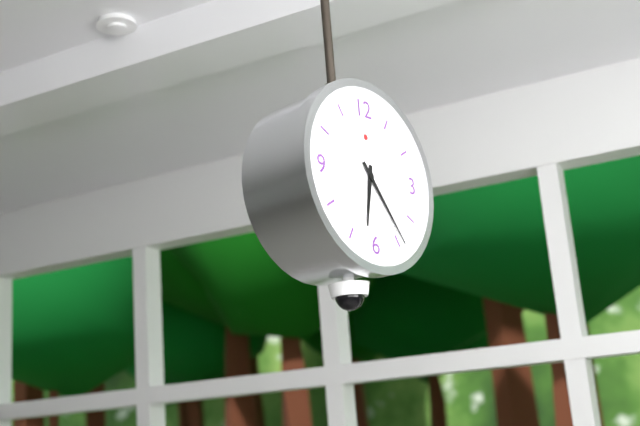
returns 6,24
